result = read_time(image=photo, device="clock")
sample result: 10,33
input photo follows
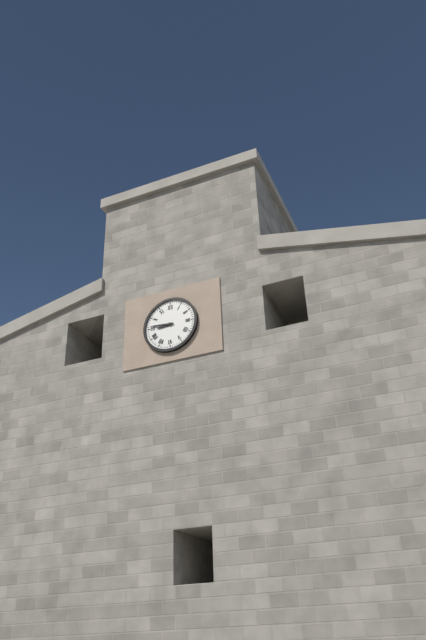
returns 8,46
